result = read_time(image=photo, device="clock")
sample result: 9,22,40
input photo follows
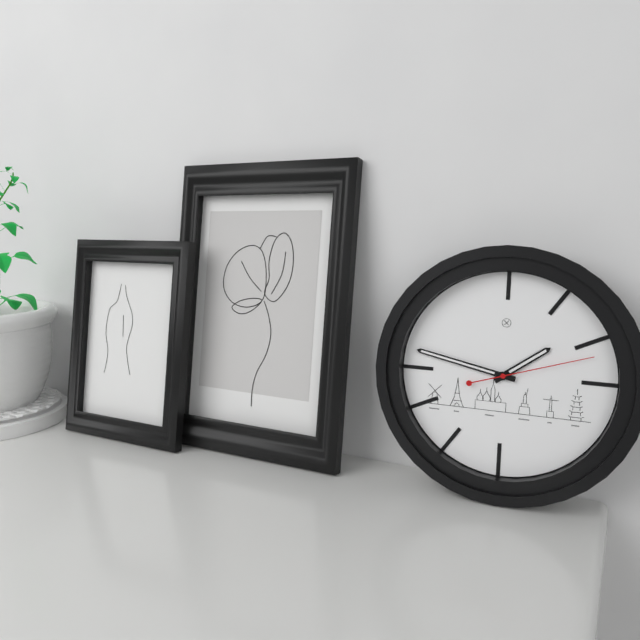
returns 1,47,12
